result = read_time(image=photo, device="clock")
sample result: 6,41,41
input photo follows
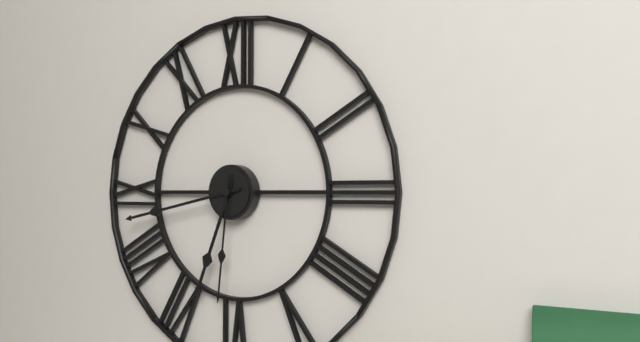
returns 6,43,31
